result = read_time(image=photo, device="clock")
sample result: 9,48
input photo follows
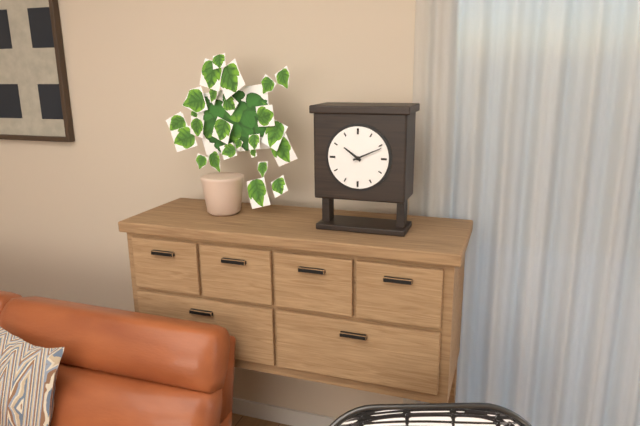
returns 10,11
